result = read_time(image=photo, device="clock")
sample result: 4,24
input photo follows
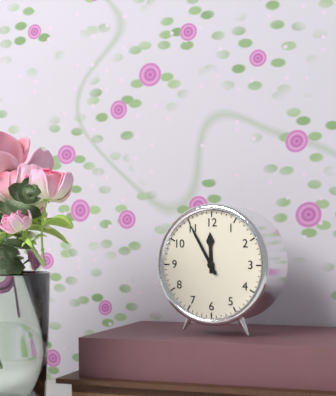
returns 11,55
